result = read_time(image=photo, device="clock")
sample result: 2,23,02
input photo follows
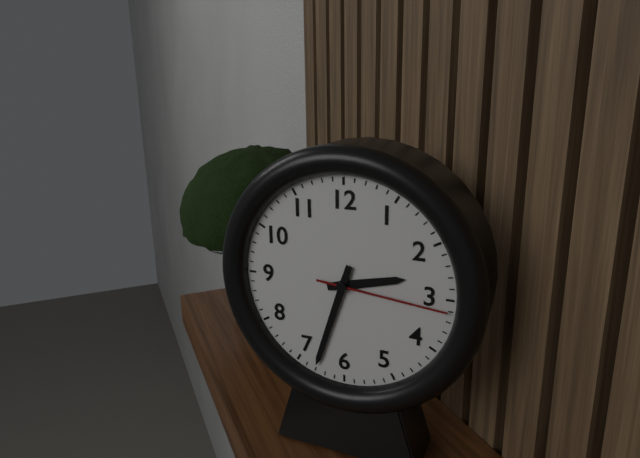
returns 2,33,16
